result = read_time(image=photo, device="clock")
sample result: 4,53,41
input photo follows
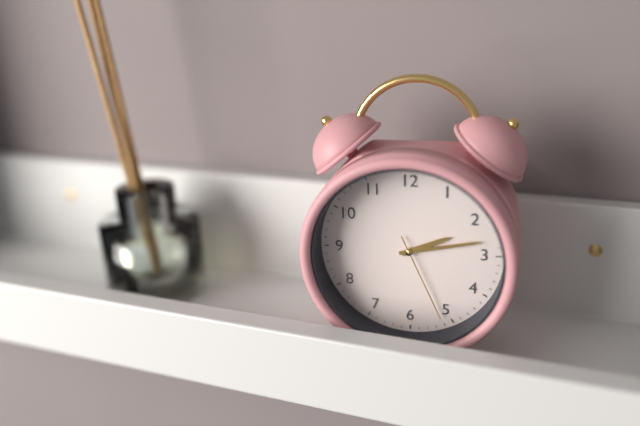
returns 2,13,26
